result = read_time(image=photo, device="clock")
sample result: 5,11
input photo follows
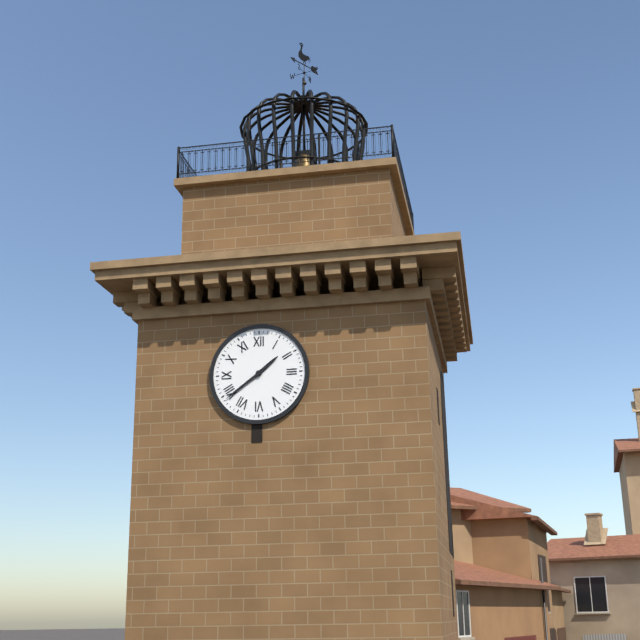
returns 1,39
